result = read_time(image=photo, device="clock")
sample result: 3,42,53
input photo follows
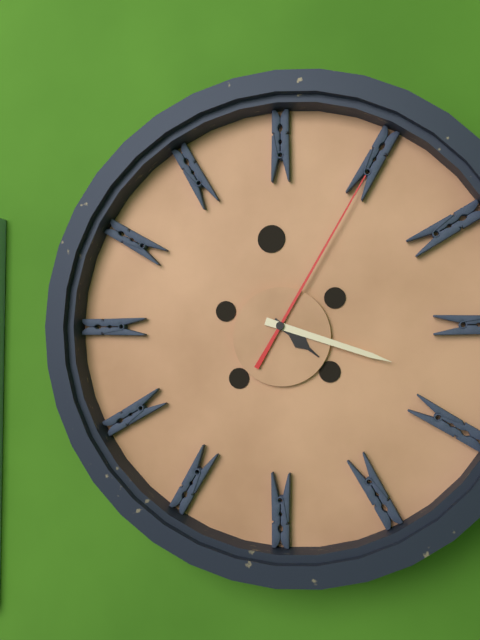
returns 4,18,05
